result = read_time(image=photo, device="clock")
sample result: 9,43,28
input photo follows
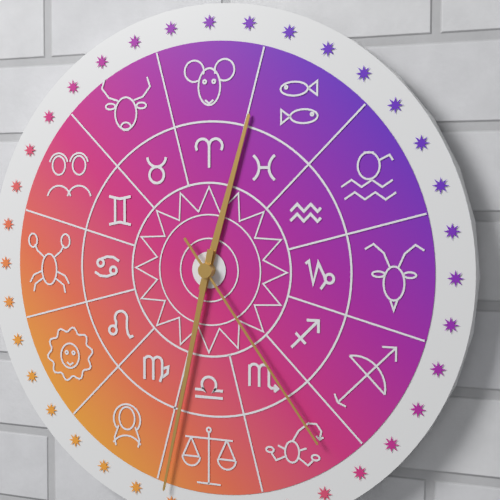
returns 12,32,24
